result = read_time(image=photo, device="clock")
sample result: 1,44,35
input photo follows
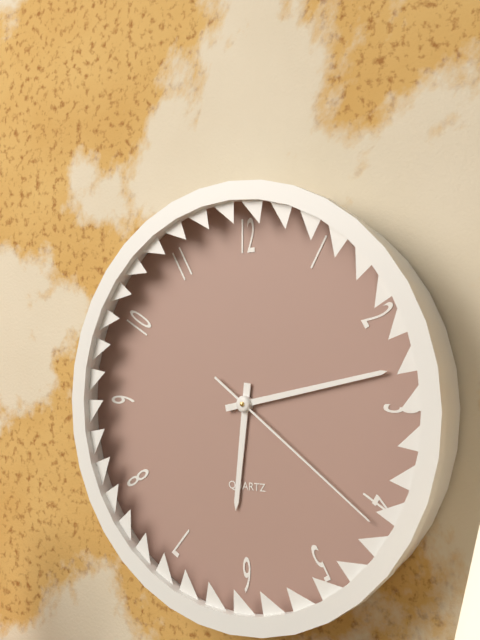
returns 6,13,21
